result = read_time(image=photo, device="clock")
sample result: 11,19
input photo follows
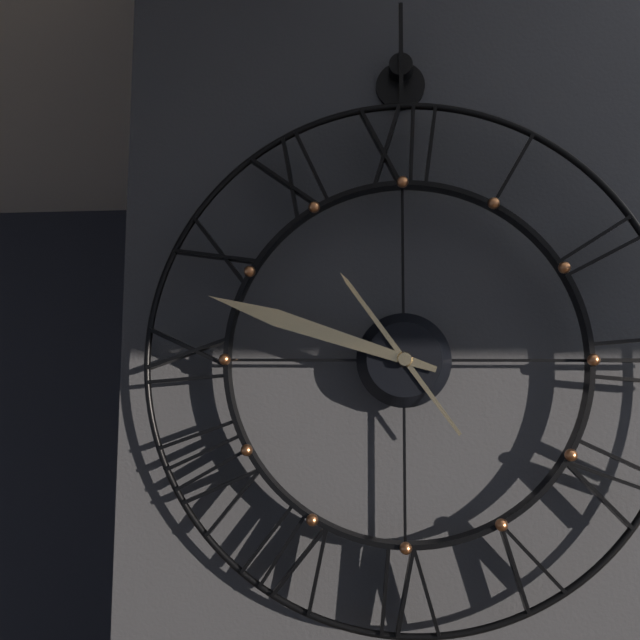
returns 10,48
